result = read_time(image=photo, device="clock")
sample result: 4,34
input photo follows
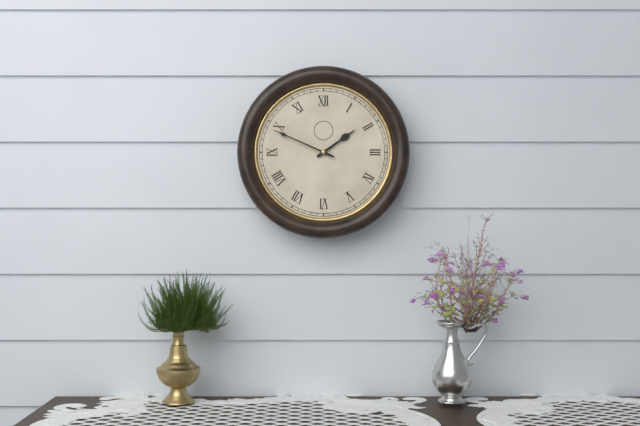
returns 1,49
